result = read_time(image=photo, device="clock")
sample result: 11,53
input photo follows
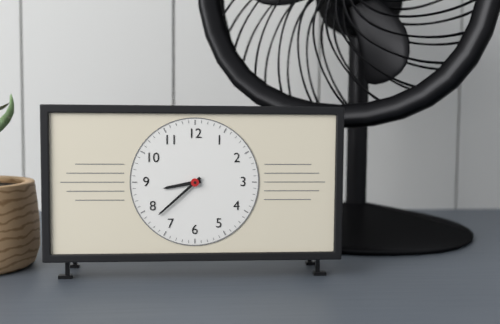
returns 8,38
